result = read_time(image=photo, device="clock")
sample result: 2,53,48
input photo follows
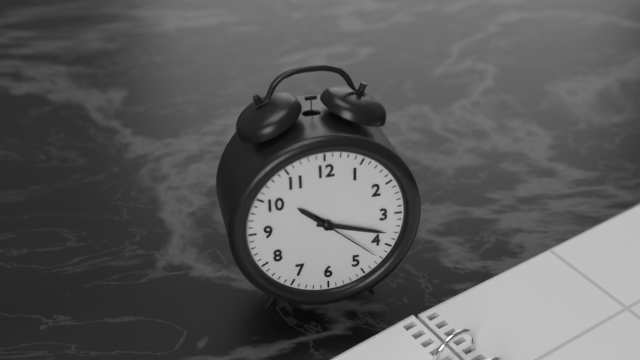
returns 10,18,22
